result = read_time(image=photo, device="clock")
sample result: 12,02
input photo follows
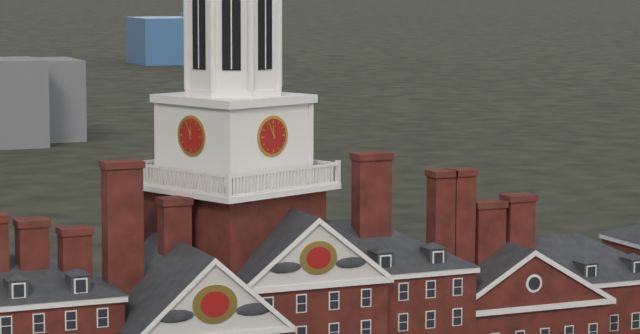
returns 11,56
